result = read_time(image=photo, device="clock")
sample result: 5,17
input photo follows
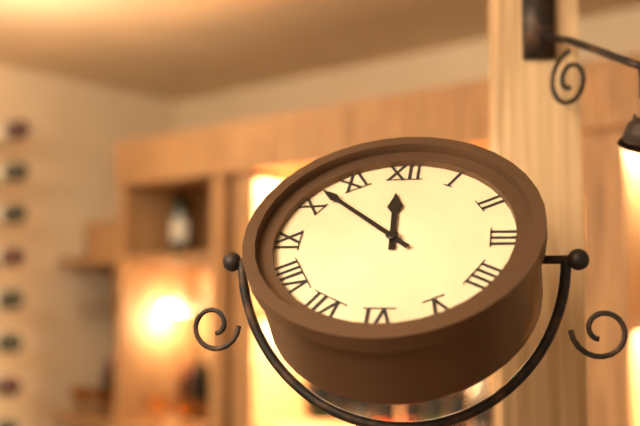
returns 11,52
